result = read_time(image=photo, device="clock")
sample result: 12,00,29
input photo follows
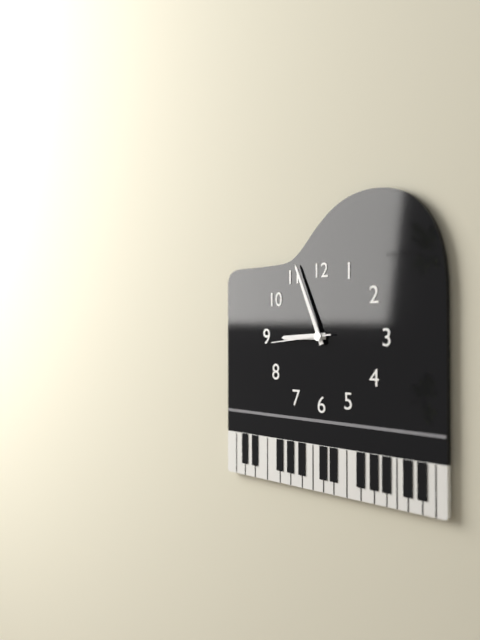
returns 8,56,44
